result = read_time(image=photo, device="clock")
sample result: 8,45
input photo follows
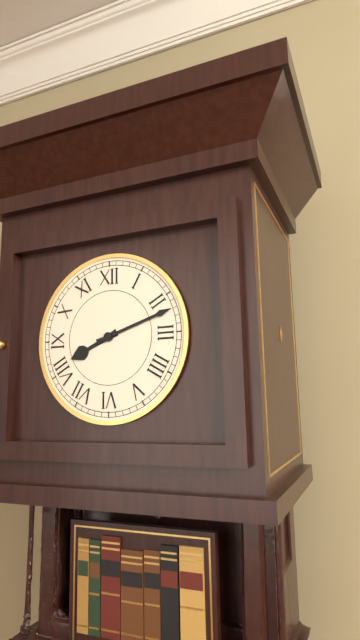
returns 8,12
